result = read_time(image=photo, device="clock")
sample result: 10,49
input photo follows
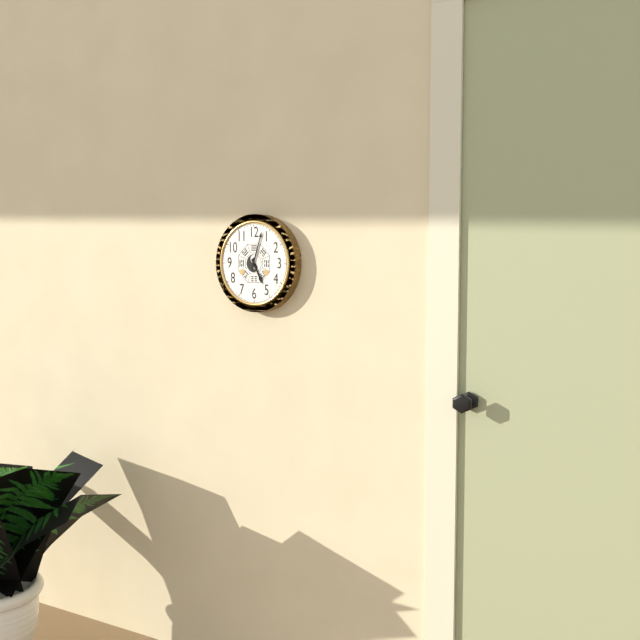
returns 5,03
